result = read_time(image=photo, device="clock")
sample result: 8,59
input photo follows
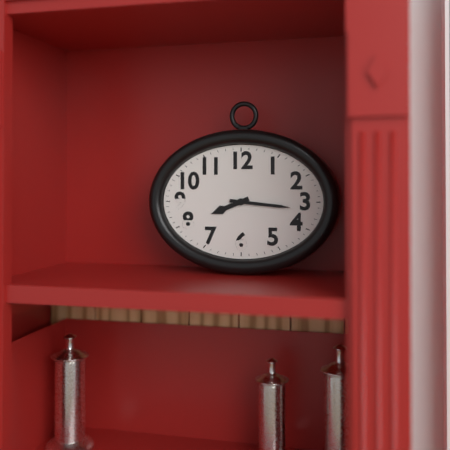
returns 8,16
